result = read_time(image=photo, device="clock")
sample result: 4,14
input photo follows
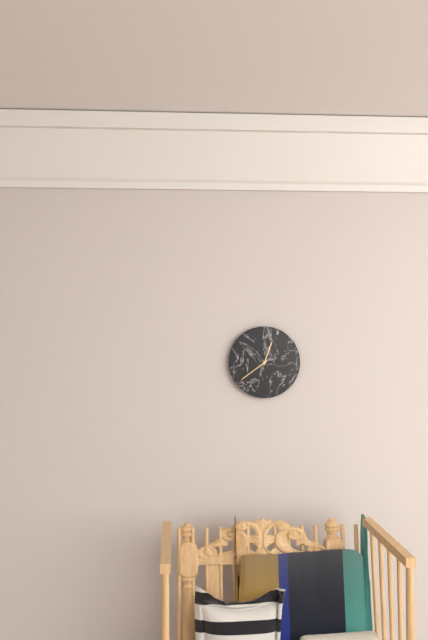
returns 12,39
